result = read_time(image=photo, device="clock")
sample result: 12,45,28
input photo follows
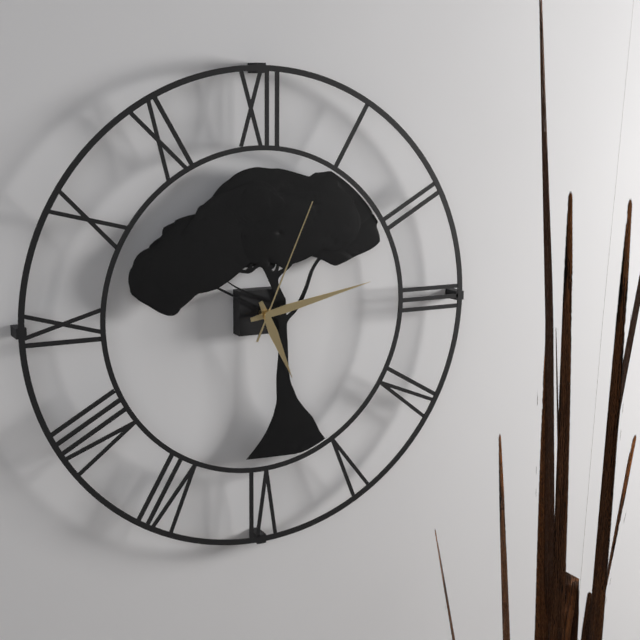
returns 5,13,04
